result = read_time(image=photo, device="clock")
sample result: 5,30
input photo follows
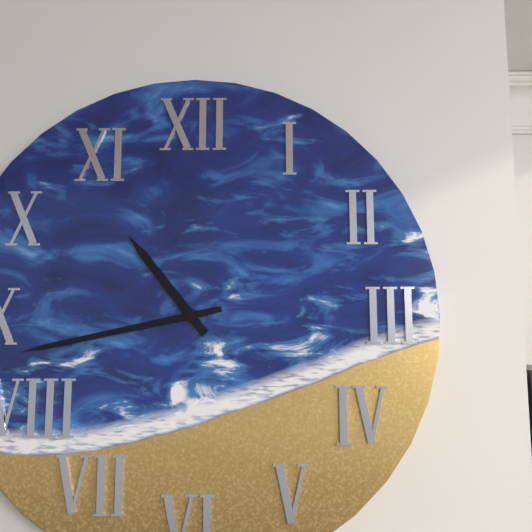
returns 10,43
